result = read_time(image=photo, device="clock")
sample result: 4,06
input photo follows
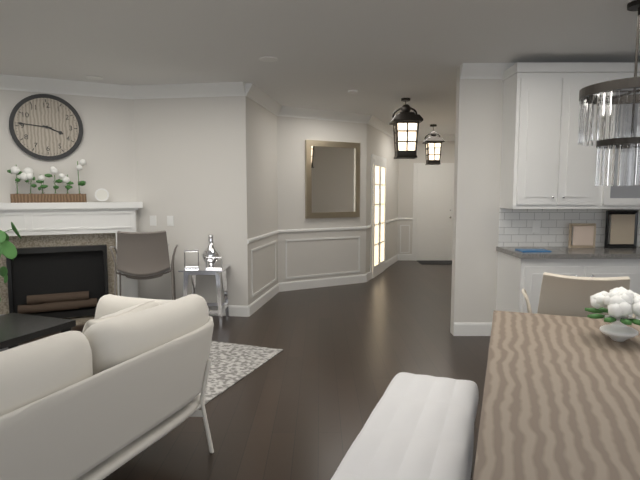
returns 3,46
